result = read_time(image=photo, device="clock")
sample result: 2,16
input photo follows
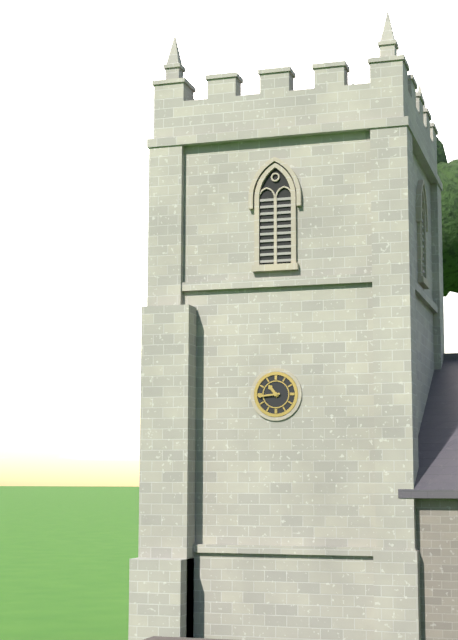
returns 10,44
